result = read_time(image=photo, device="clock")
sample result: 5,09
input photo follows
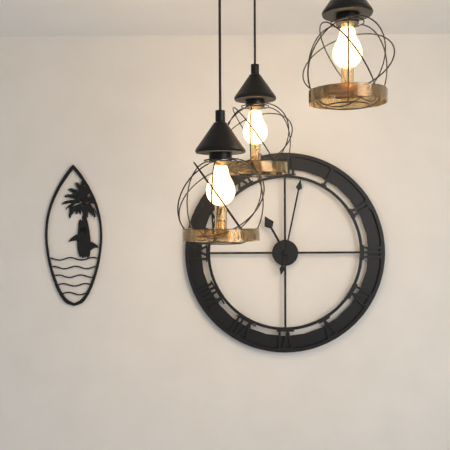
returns 11,02
